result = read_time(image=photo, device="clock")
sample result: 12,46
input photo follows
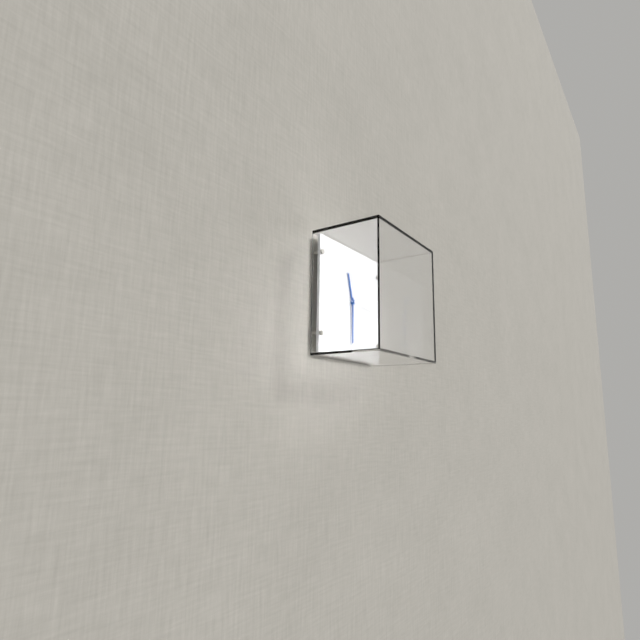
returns 11,30
